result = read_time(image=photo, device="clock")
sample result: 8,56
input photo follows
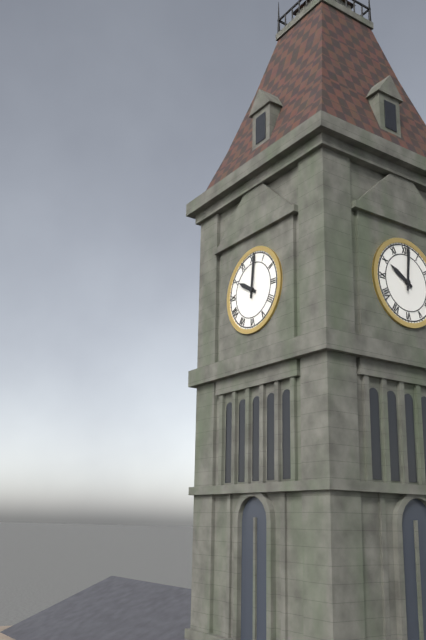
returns 10,01
